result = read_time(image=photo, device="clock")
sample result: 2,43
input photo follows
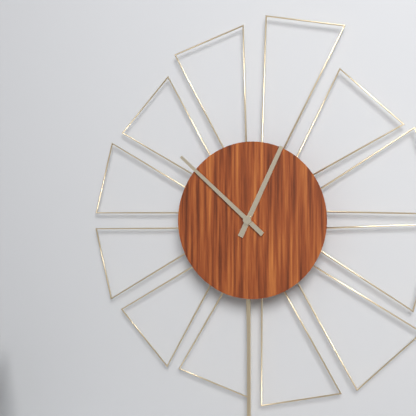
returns 12,52
